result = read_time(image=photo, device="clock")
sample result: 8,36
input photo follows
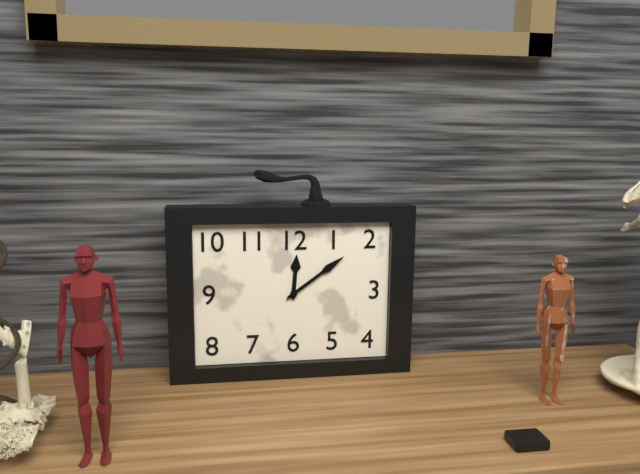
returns 12,09
